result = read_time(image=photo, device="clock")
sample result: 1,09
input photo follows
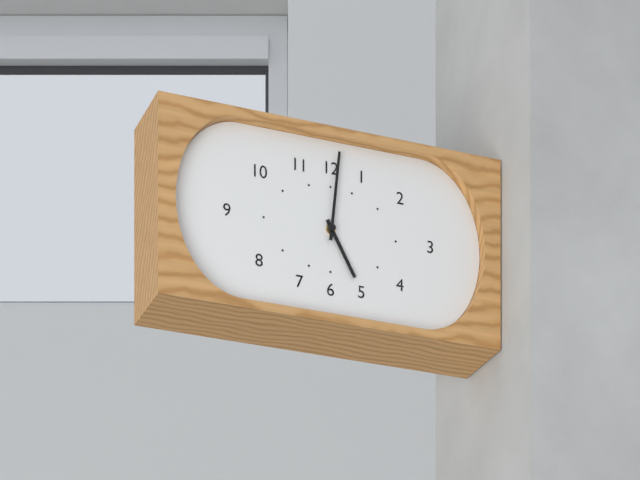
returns 5,01
